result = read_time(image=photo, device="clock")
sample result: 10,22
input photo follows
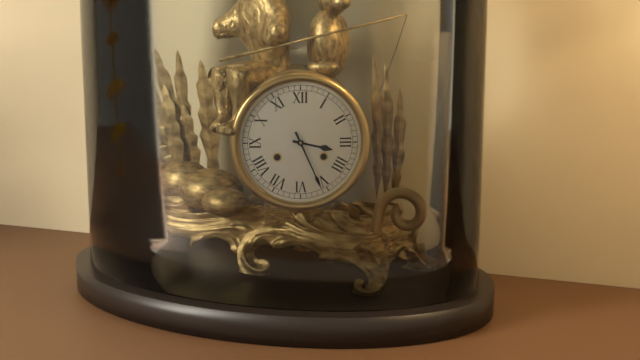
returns 3,26
